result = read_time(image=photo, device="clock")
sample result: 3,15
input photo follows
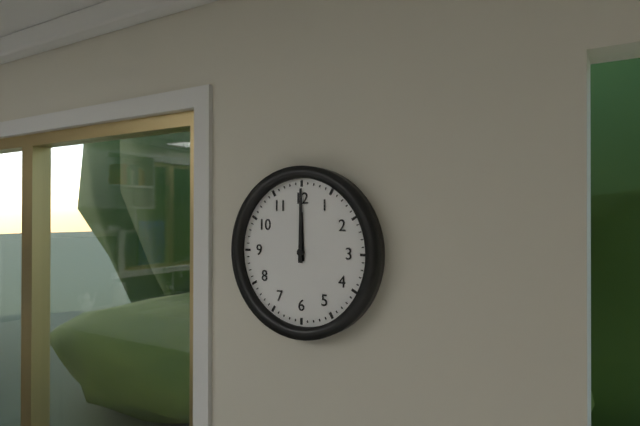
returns 12,00
